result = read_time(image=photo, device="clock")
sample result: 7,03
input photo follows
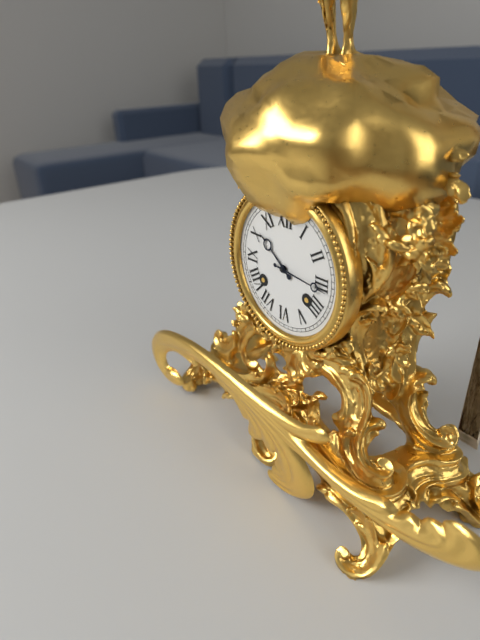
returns 10,16
